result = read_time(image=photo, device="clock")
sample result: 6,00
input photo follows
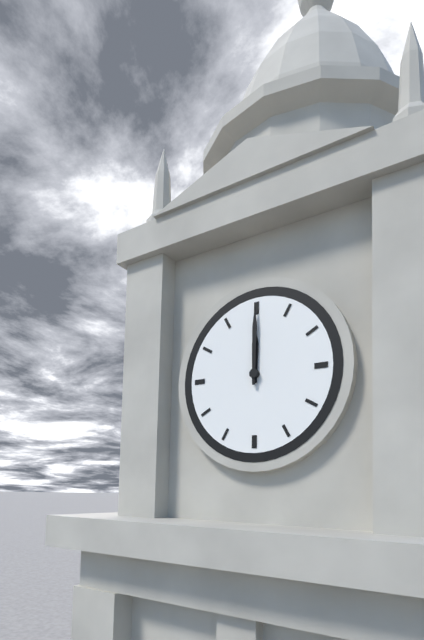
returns 12,00
